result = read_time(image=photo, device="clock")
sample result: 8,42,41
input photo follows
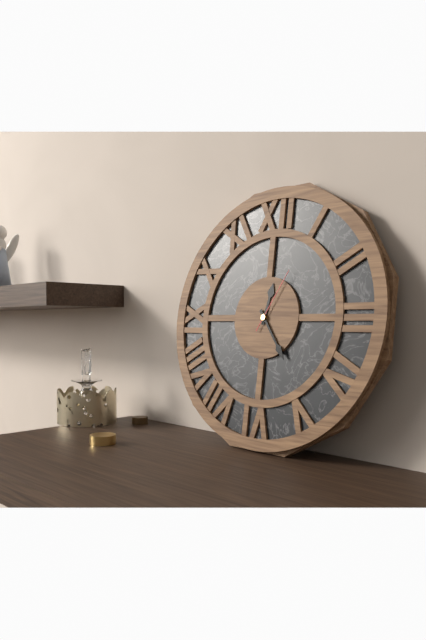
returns 12,24,05
